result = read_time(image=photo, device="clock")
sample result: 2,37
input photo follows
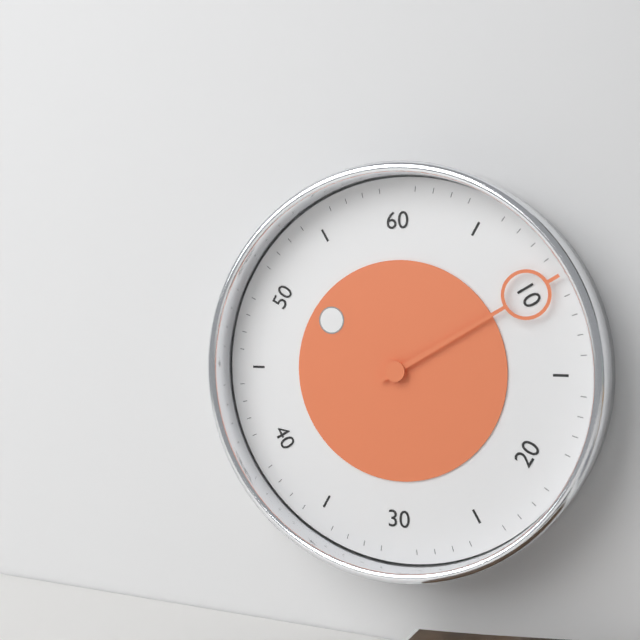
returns 10,10
